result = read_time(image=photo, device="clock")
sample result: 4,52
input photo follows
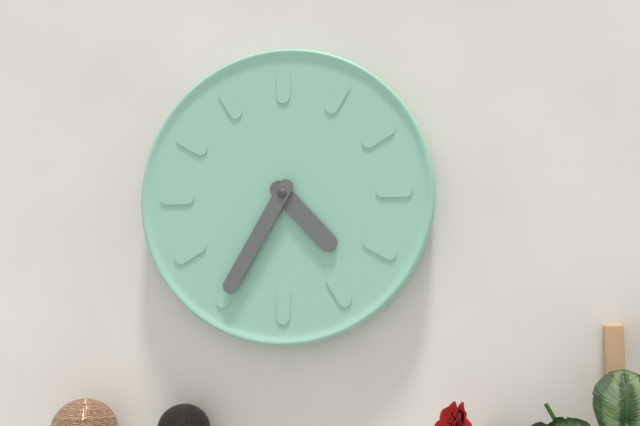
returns 4,35
